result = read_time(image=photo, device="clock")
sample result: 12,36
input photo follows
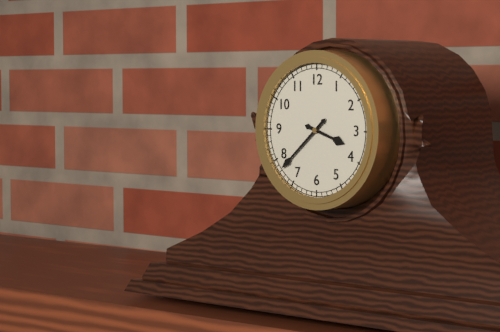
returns 3,38
